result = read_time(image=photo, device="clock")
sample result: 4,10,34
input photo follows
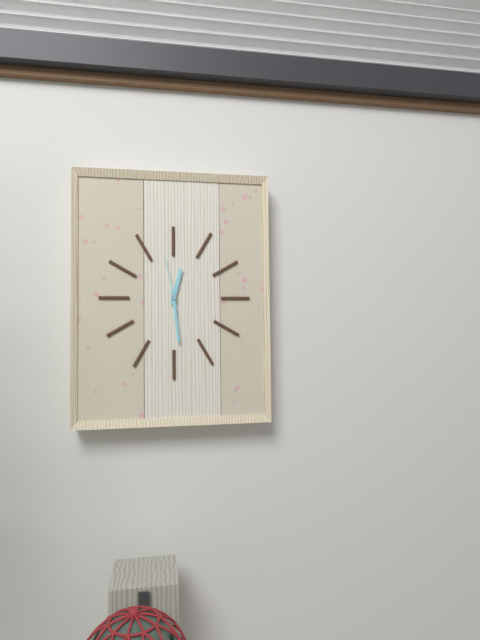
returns 12,29,58
